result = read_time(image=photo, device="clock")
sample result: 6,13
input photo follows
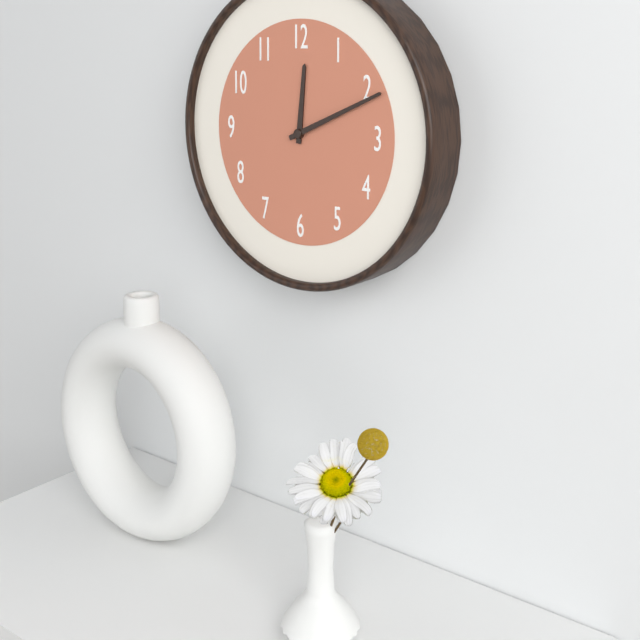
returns 12,11
